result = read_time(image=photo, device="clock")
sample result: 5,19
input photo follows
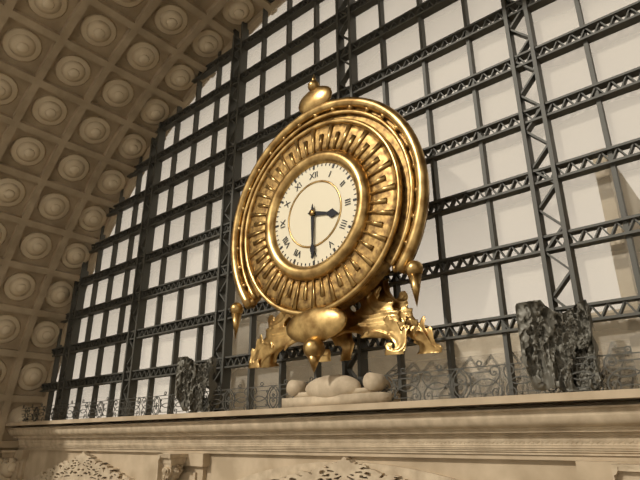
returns 3,30
